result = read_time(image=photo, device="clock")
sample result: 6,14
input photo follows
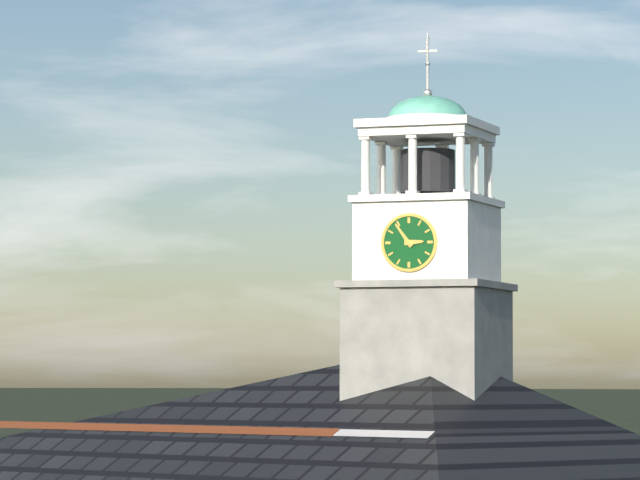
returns 2,54
